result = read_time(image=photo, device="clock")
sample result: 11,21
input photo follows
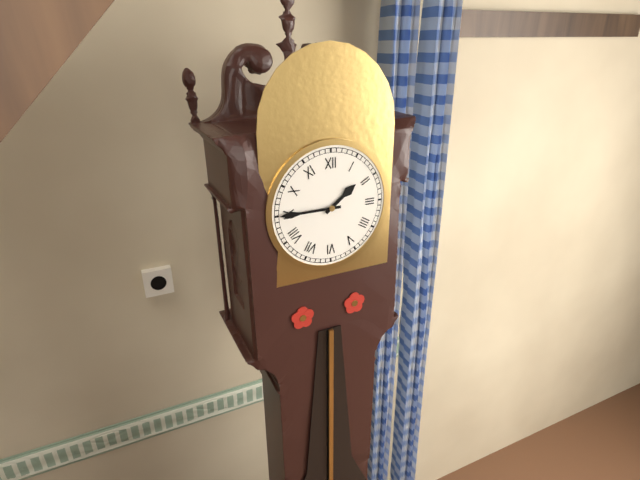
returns 1,45
